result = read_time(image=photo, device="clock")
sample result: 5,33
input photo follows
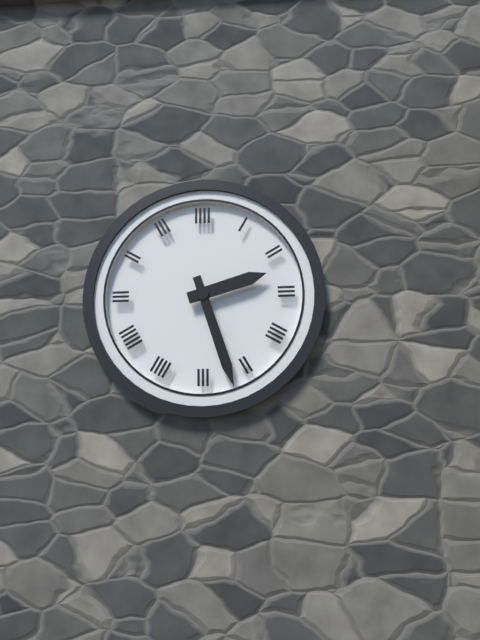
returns 2,27
